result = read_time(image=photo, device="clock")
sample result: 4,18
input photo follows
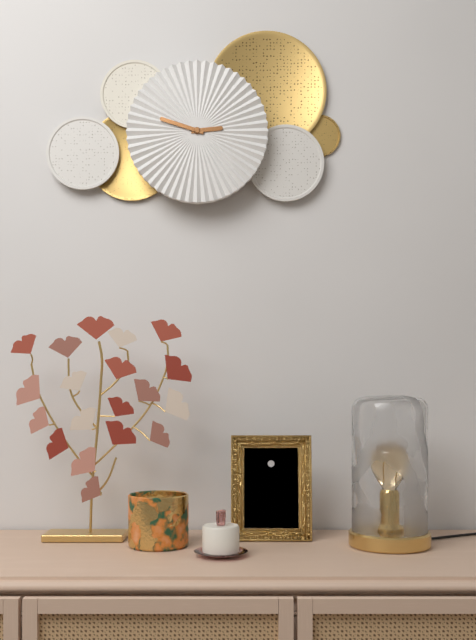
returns 2,48
